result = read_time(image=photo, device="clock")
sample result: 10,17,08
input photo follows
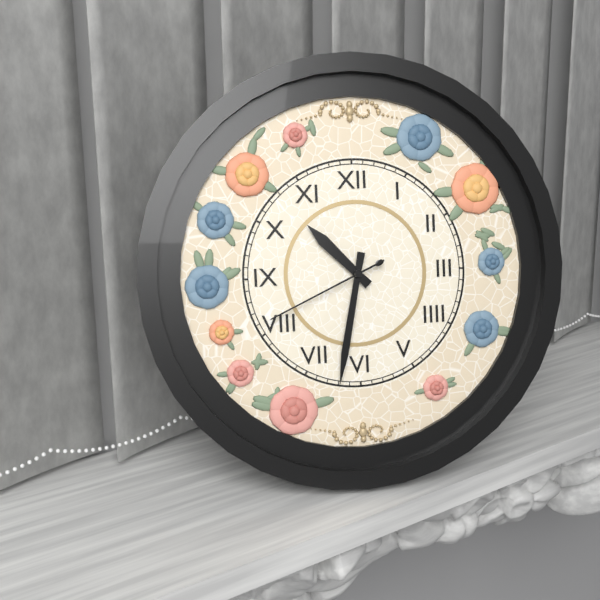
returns 10,32,41
